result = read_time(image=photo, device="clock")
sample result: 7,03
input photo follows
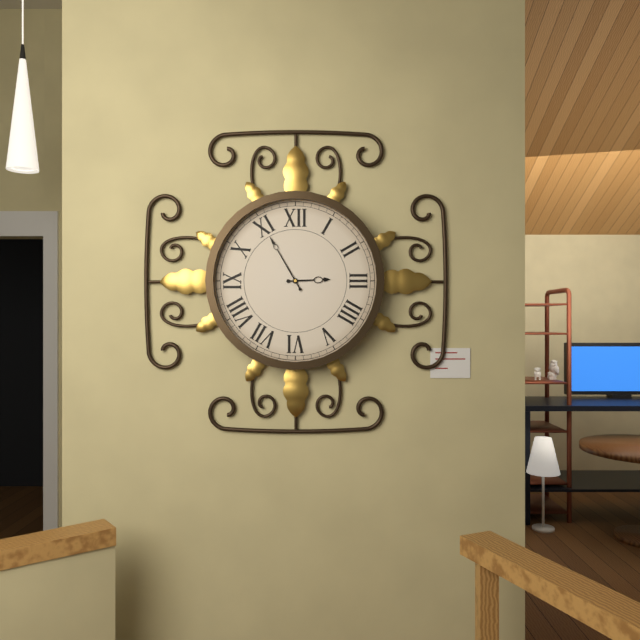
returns 2,55
